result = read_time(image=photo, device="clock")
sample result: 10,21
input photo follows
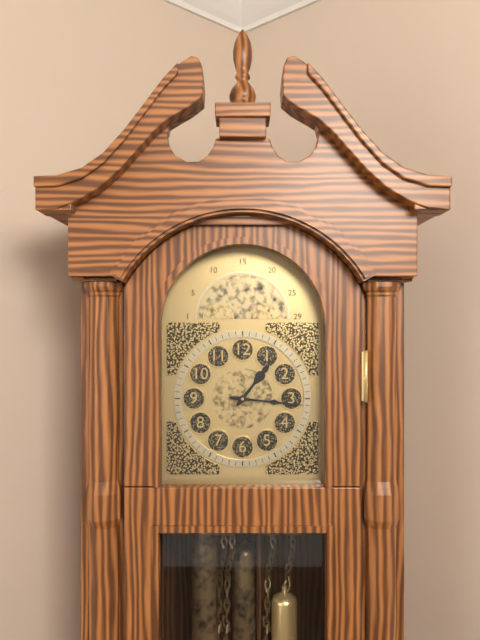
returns 1,16
